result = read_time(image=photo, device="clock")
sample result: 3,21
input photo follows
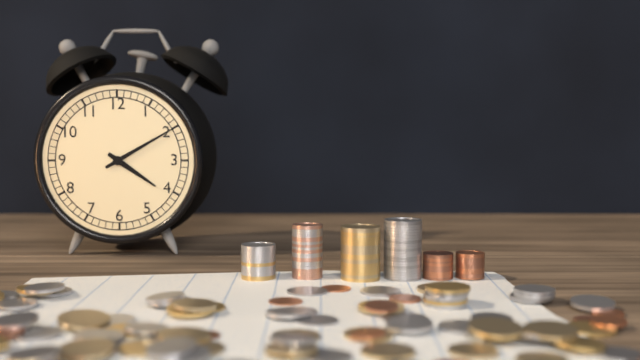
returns 4,10
